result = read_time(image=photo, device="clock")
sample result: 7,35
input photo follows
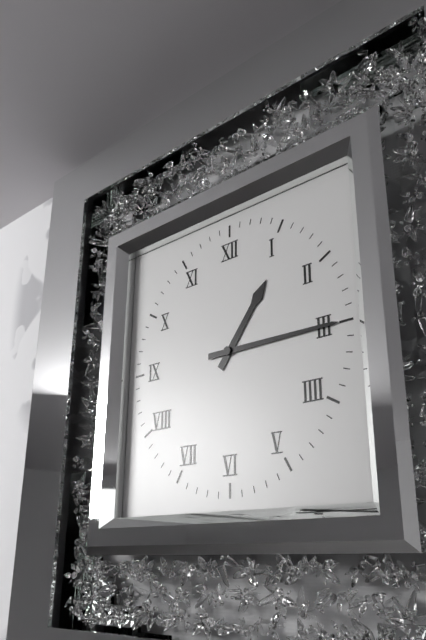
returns 1,15
